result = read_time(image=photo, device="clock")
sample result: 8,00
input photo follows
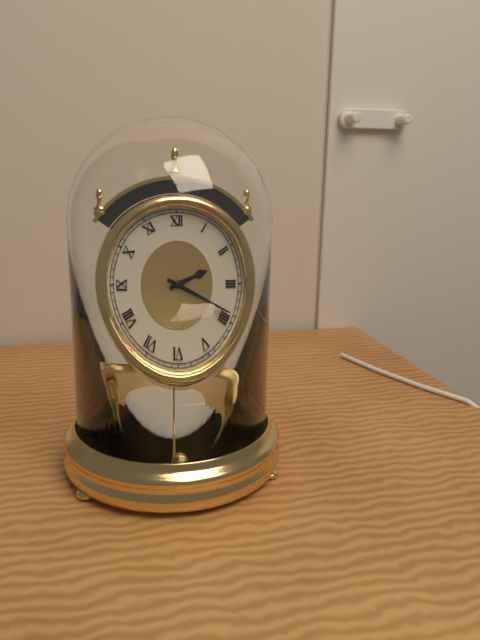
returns 2,19
